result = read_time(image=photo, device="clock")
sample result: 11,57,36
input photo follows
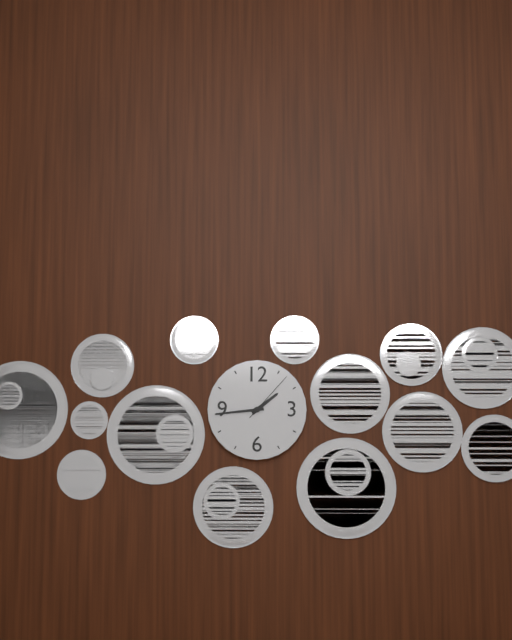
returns 1,44,07
